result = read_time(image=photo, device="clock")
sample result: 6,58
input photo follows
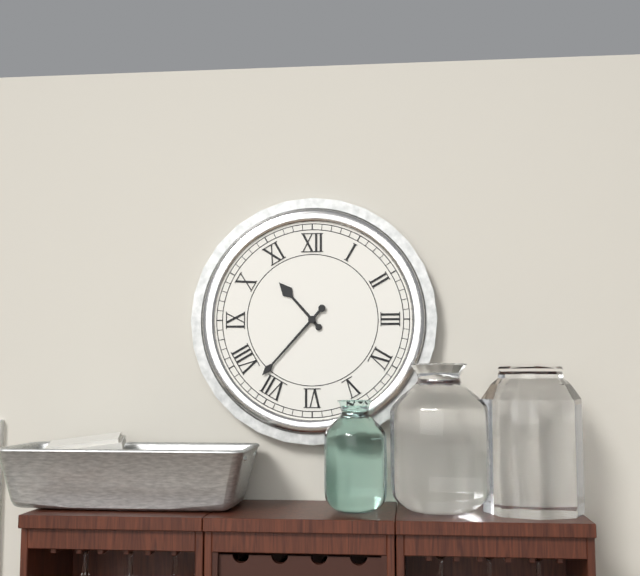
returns 10,37
